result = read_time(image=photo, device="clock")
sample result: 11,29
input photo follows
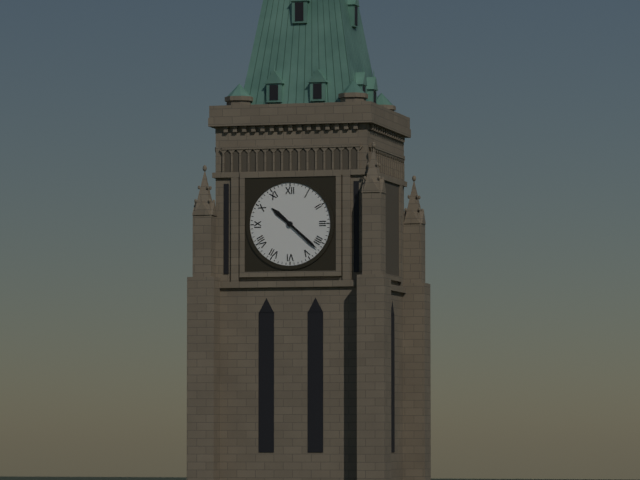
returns 10,22
